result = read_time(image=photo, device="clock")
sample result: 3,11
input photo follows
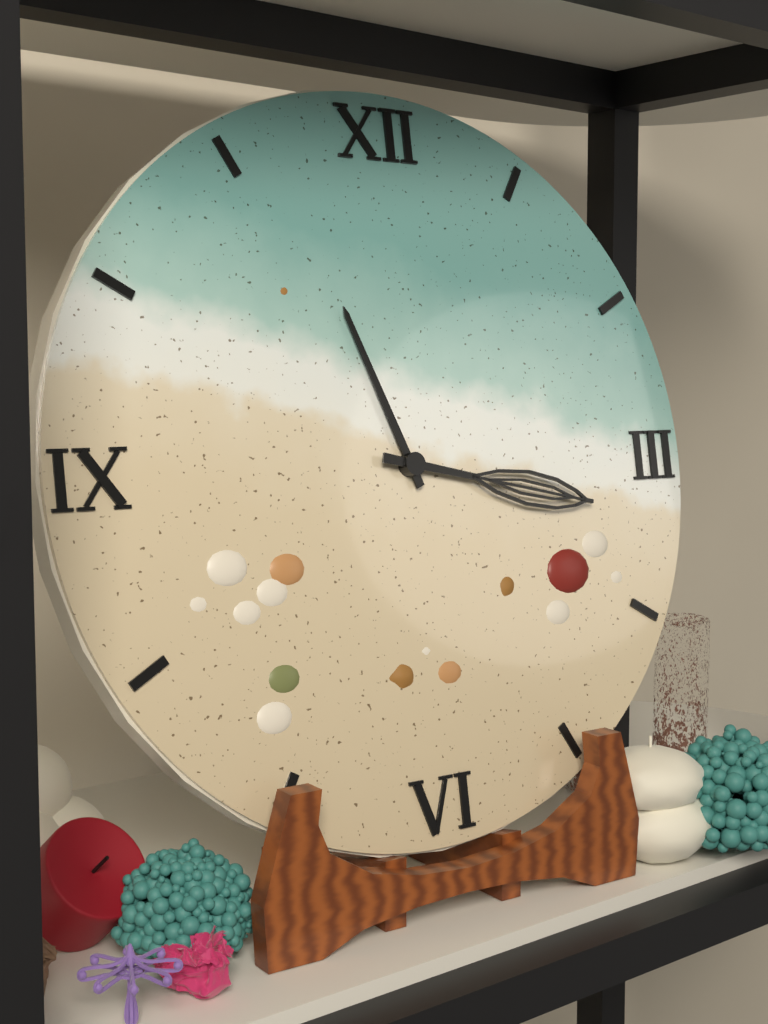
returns 11,17
